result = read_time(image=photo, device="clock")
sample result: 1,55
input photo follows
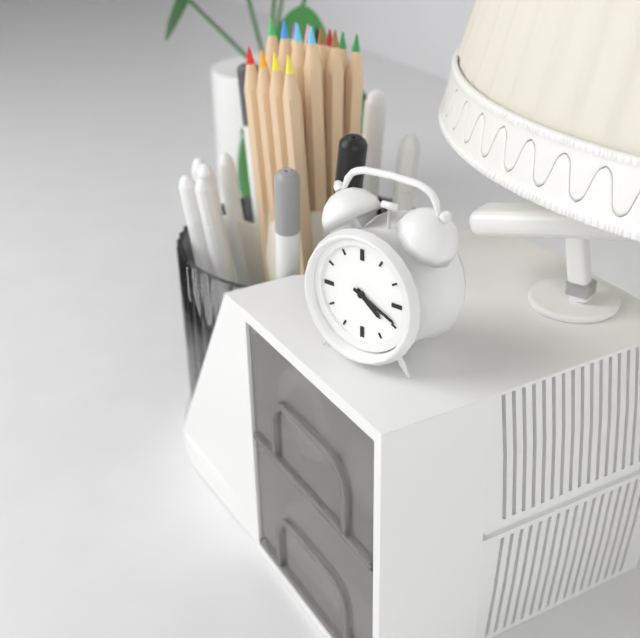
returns 4,19
